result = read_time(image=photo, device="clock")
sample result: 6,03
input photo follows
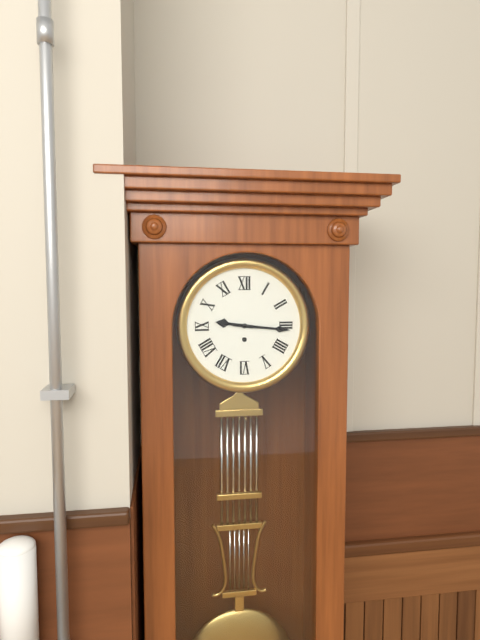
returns 9,16
